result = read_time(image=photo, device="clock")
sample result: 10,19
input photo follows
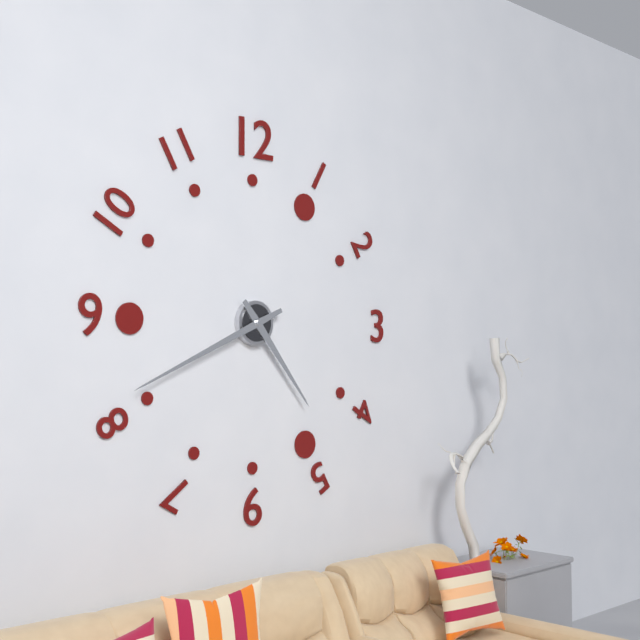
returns 4,41
